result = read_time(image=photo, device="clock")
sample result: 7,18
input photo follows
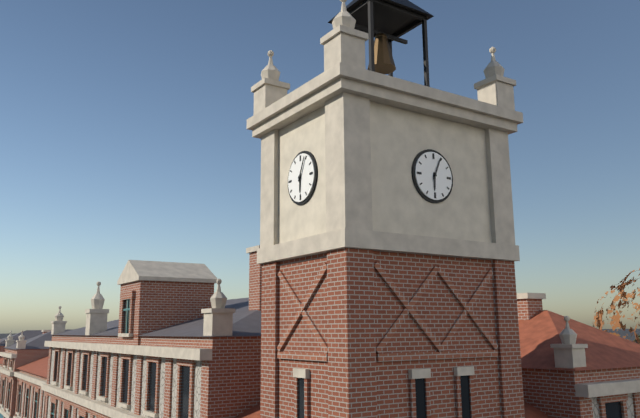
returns 6,04
